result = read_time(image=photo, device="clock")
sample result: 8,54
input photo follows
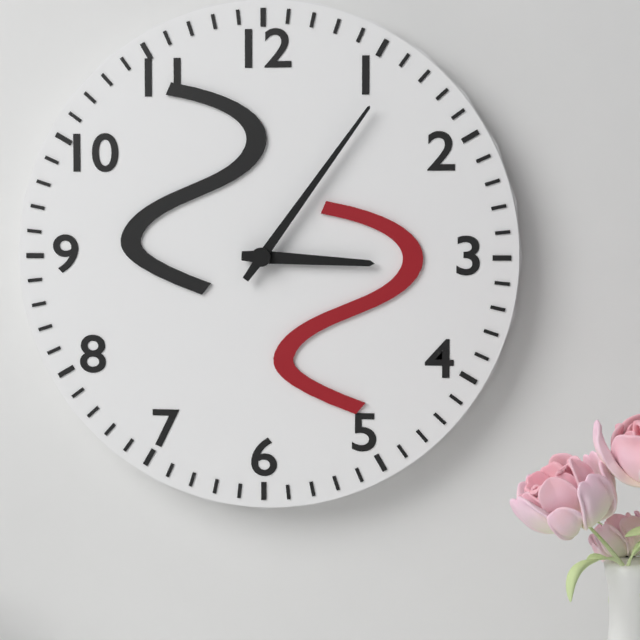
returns 3,06
